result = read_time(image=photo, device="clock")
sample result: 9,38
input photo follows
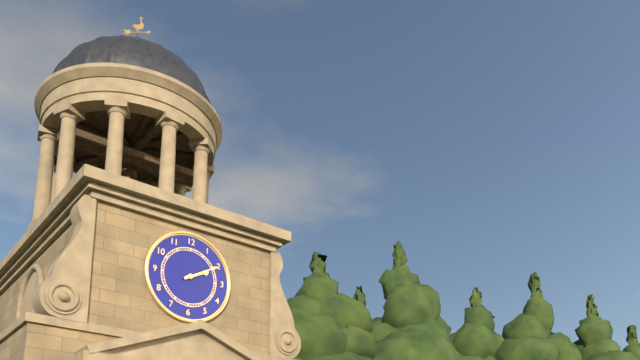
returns 2,10
